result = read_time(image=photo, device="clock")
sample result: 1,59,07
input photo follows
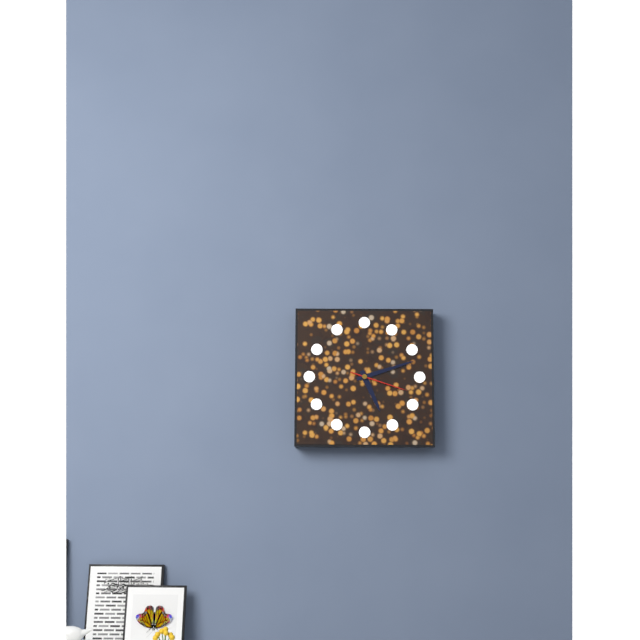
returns 5,12,18
